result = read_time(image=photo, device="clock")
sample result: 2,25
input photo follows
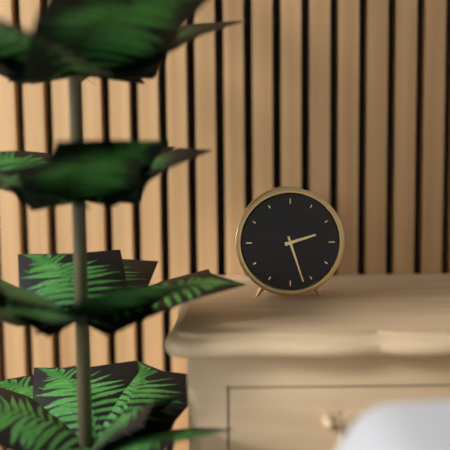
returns 2,27
